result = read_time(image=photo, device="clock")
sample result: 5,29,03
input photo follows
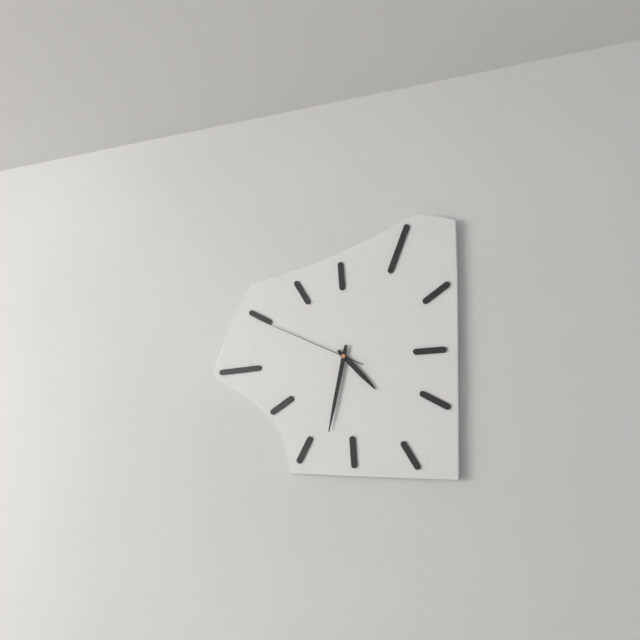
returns 4,32,49
